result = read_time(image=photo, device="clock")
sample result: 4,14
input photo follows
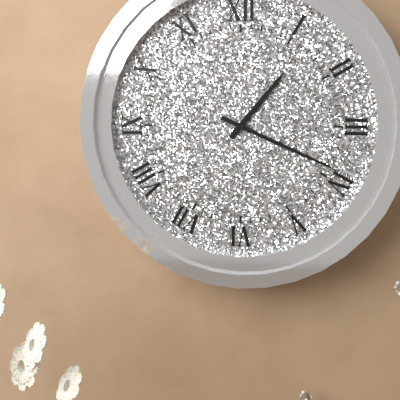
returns 1,19
